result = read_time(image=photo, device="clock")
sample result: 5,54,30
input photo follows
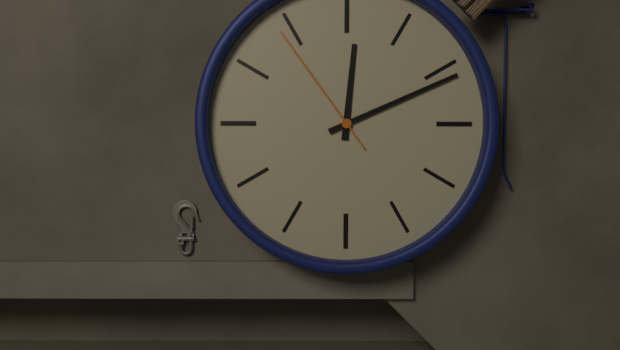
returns 12,11,54
